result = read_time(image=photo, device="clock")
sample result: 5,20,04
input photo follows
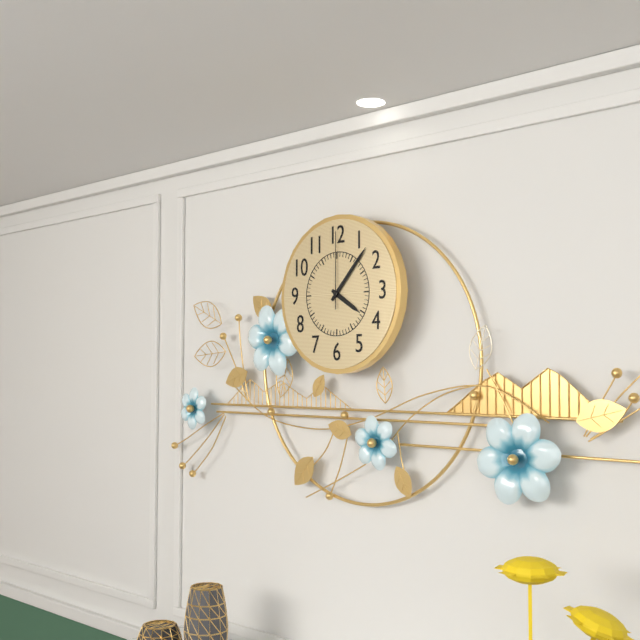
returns 4,07,00
